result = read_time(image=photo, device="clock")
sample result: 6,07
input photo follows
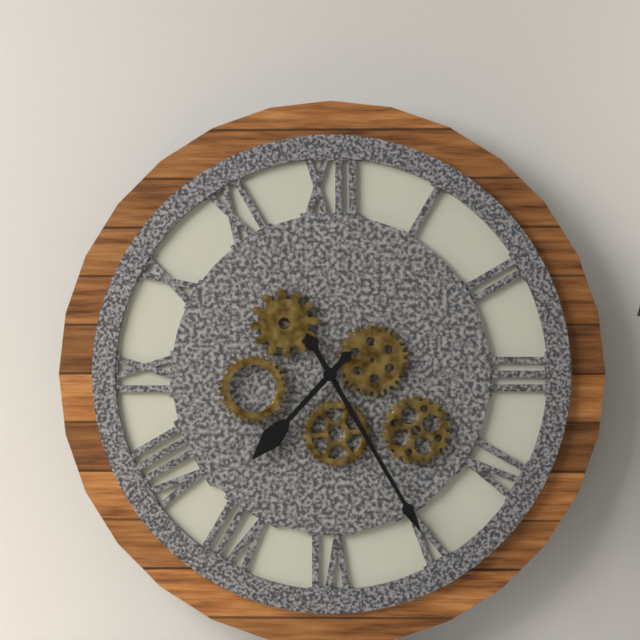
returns 7,25
